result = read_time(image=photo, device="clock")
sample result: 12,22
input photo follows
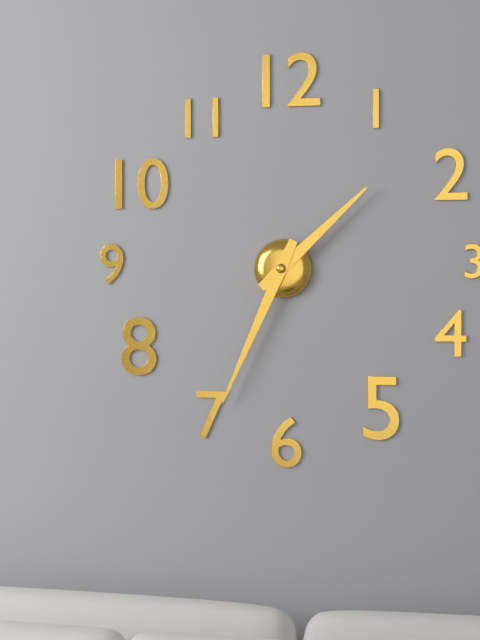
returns 1,34
